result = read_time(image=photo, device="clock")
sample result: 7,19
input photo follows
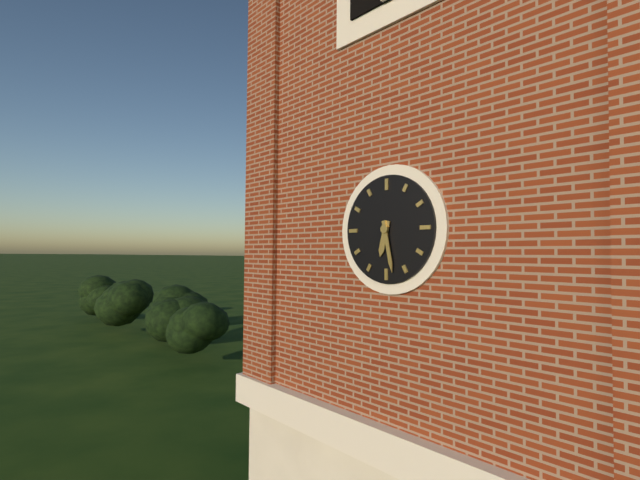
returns 6,28
